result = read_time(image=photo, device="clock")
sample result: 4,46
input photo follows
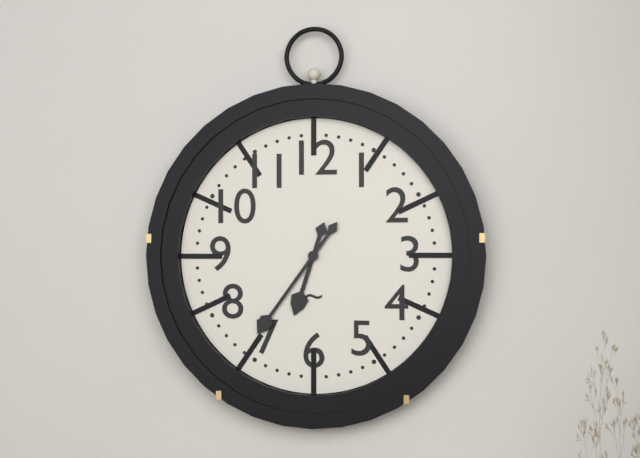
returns 6,36
